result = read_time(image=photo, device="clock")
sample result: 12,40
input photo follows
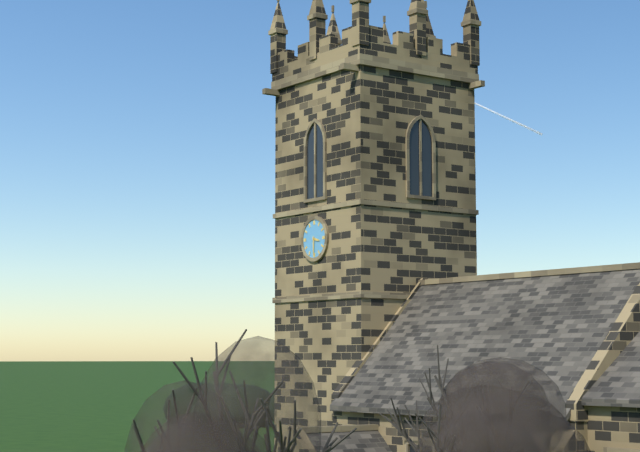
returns 3,30
